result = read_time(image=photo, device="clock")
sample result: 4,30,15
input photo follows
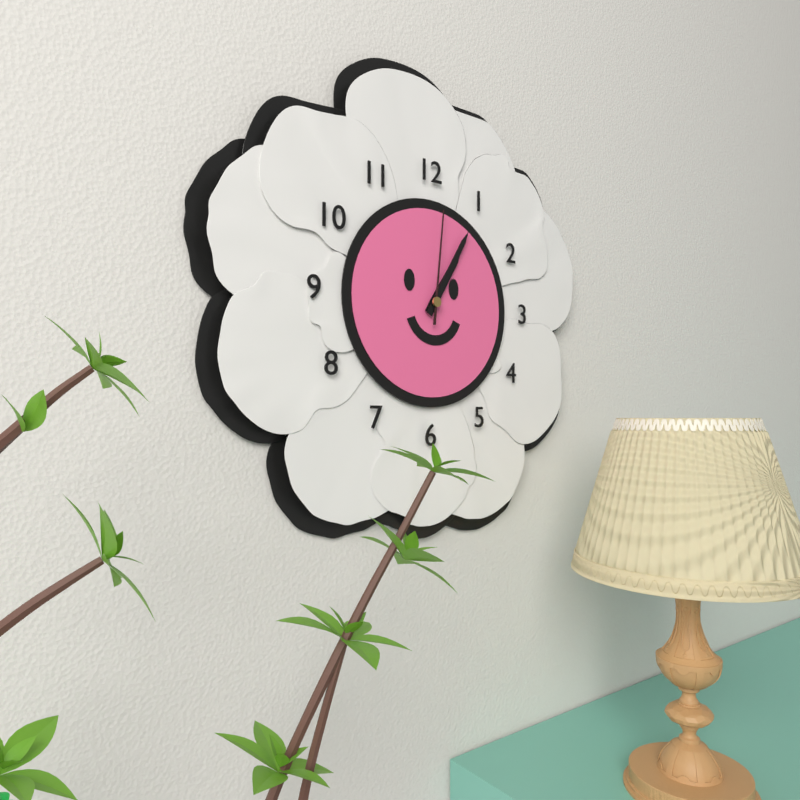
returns 1,05,01
